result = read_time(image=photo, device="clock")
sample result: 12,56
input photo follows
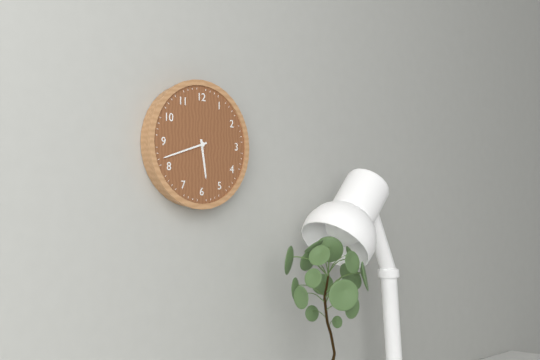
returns 5,42
